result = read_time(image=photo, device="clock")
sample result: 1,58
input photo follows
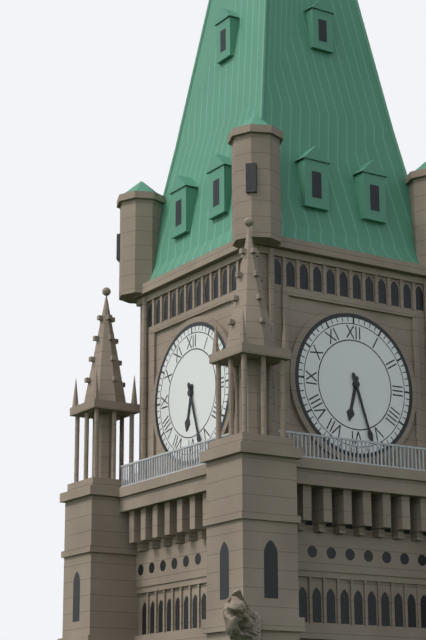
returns 6,27
